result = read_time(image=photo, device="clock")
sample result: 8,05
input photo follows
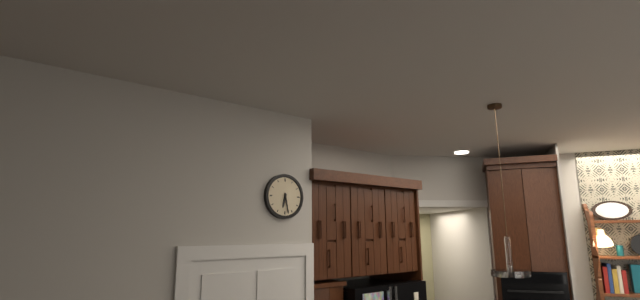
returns 6,28
